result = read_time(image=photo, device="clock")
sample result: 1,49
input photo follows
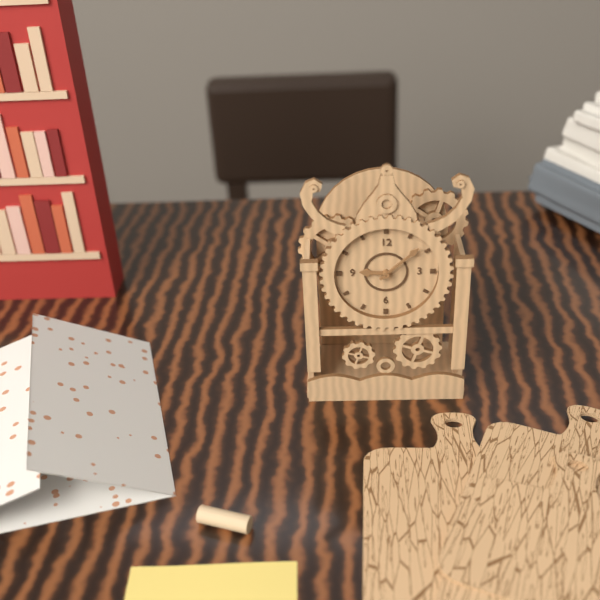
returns 9,08
